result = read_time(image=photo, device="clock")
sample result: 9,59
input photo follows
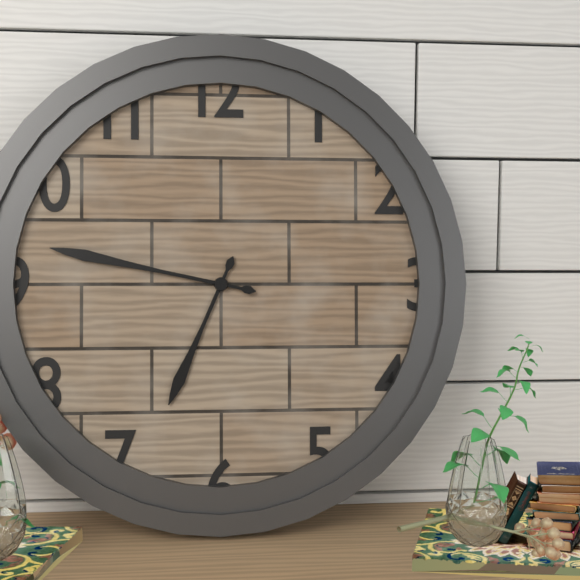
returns 6,47
